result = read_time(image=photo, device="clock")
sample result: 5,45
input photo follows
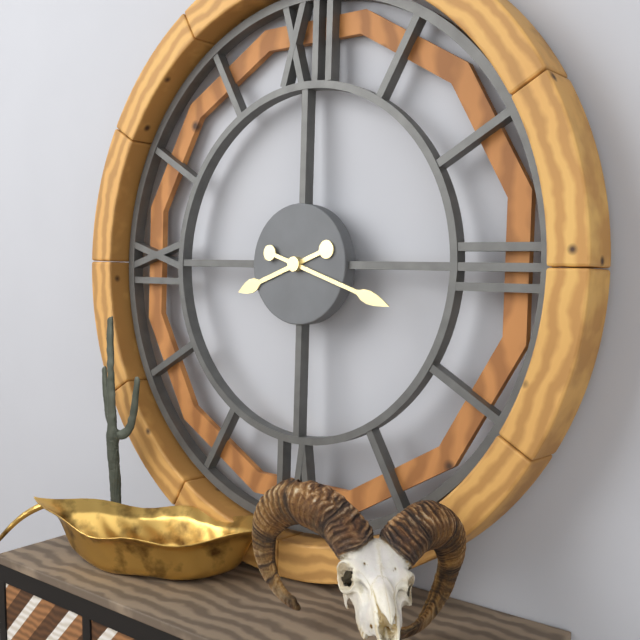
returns 8,18
